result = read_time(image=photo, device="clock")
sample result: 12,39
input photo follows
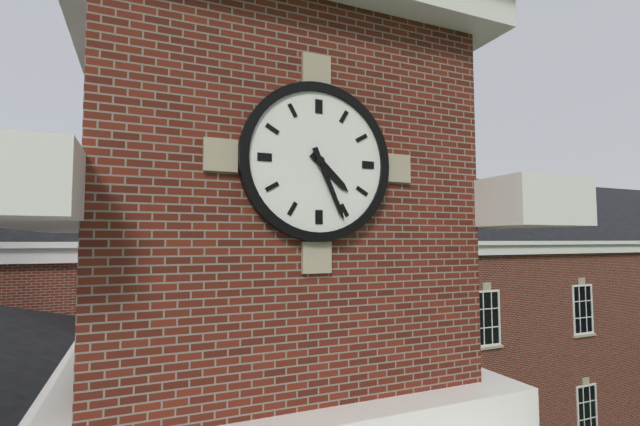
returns 4,26
